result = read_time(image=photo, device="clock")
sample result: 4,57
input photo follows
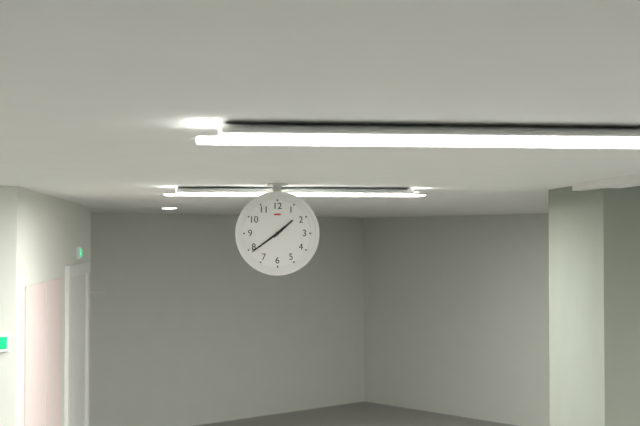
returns 1,39
